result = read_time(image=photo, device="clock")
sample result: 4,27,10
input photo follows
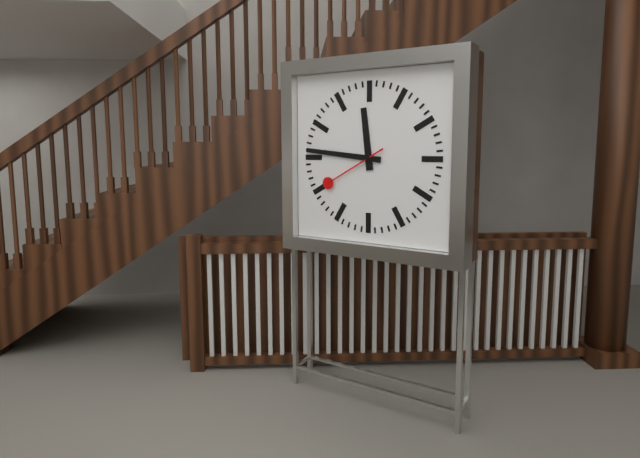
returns 11,46,40
